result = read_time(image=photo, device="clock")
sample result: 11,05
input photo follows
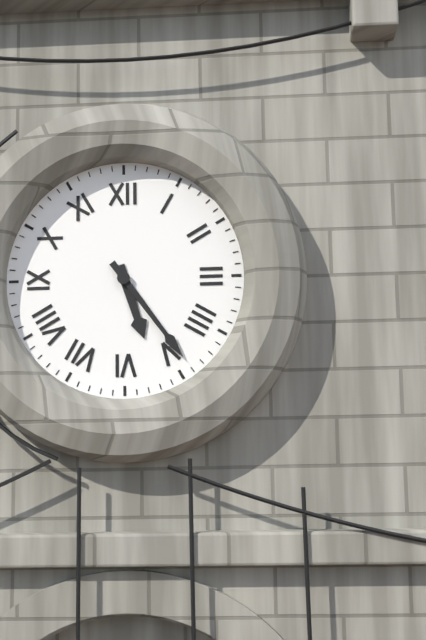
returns 5,24
